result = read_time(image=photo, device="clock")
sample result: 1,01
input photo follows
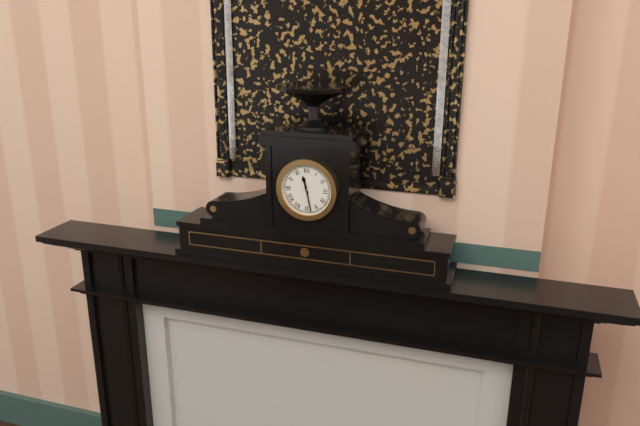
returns 11,28
